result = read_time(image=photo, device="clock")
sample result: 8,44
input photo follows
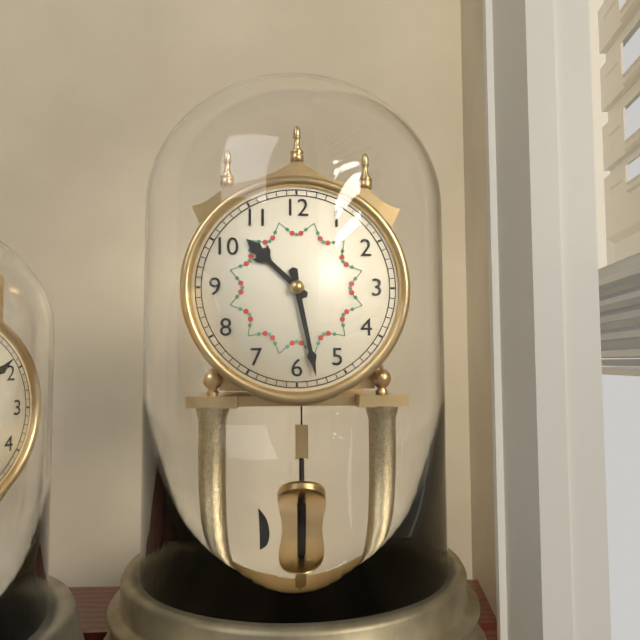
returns 10,28
